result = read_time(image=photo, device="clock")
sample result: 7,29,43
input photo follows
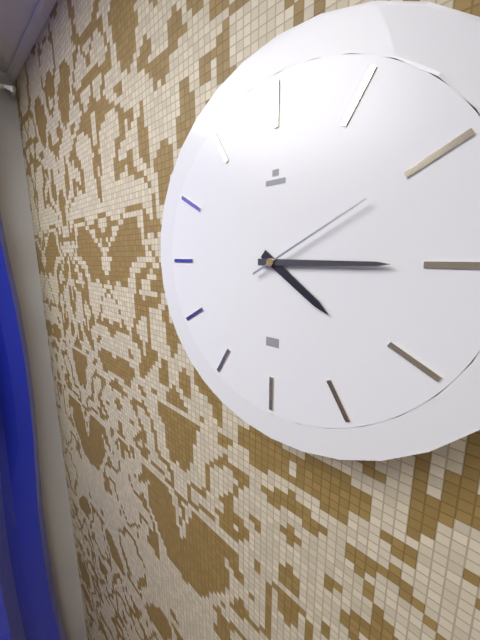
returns 4,15,10
